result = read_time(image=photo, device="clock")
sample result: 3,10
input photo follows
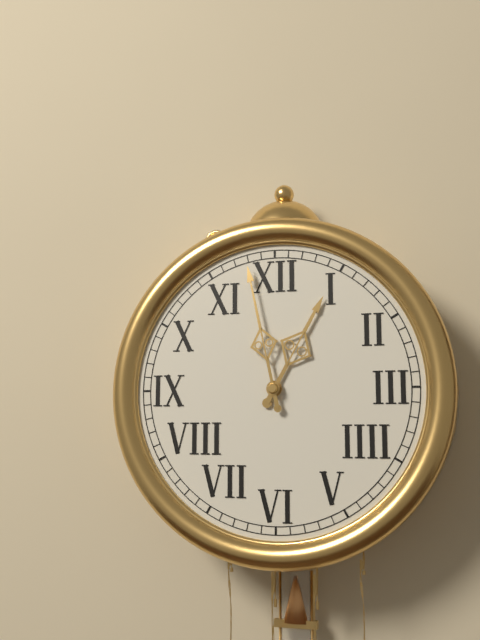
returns 12,58
